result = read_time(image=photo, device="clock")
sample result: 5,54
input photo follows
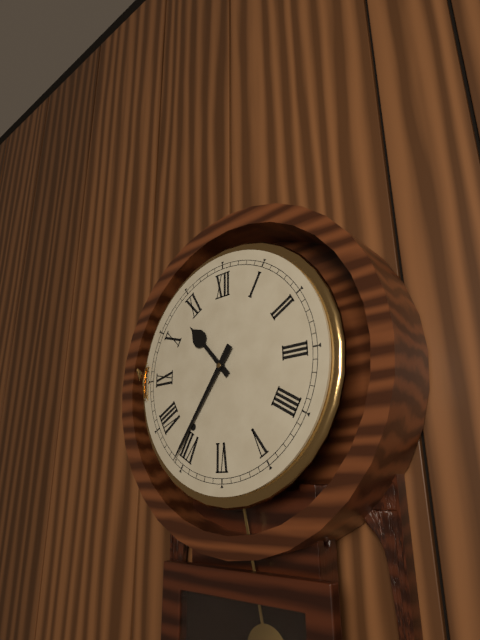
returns 10,36
